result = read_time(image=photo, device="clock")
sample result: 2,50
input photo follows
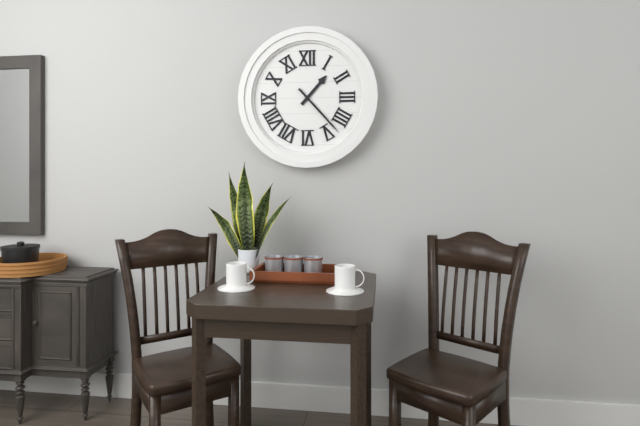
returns 1,23
